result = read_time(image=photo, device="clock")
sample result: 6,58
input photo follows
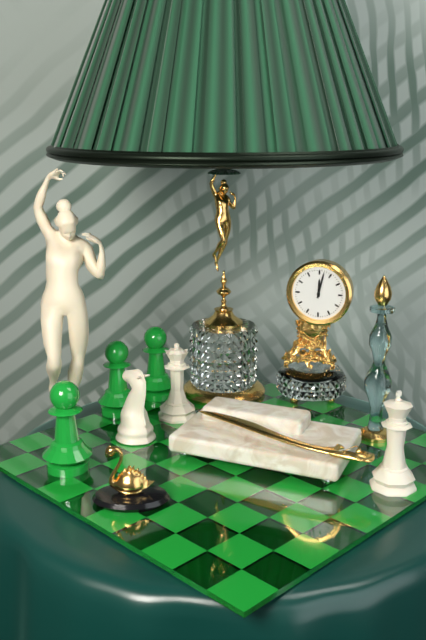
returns 12,02
